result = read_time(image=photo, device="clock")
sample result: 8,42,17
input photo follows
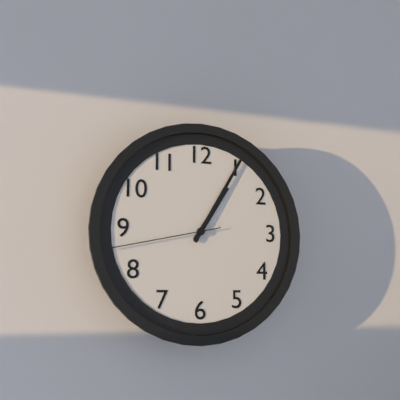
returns 1,05,43
